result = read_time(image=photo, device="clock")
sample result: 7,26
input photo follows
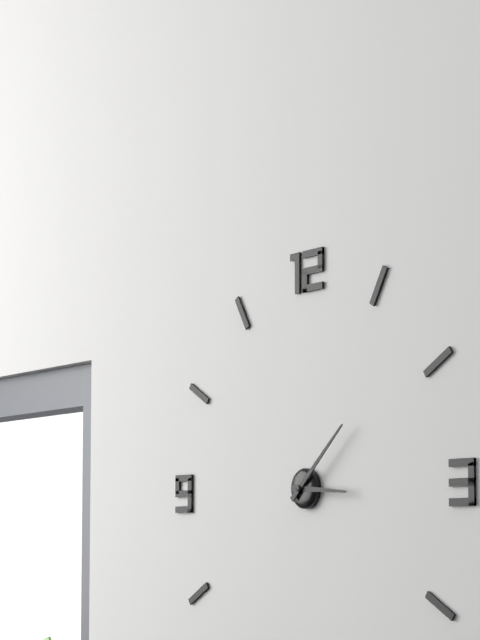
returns 3,08
